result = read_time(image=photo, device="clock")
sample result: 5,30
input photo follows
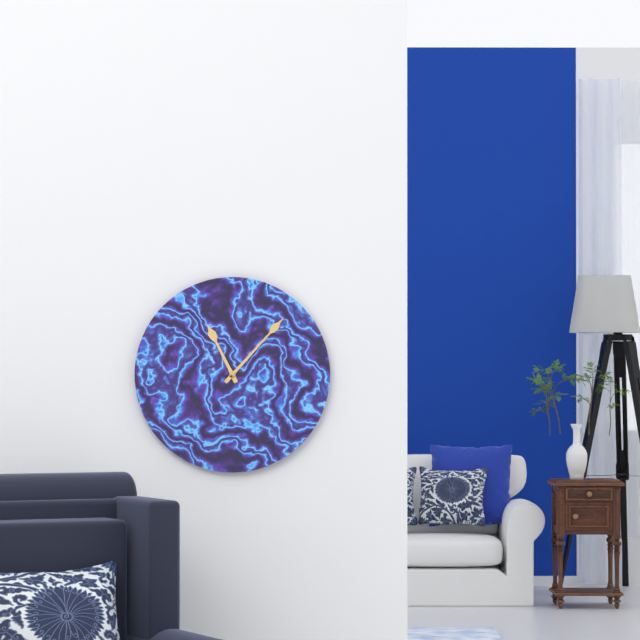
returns 11,07
